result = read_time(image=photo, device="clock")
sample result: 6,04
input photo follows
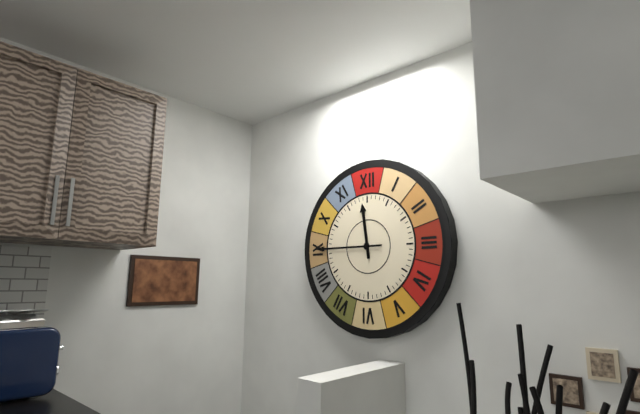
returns 11,45
